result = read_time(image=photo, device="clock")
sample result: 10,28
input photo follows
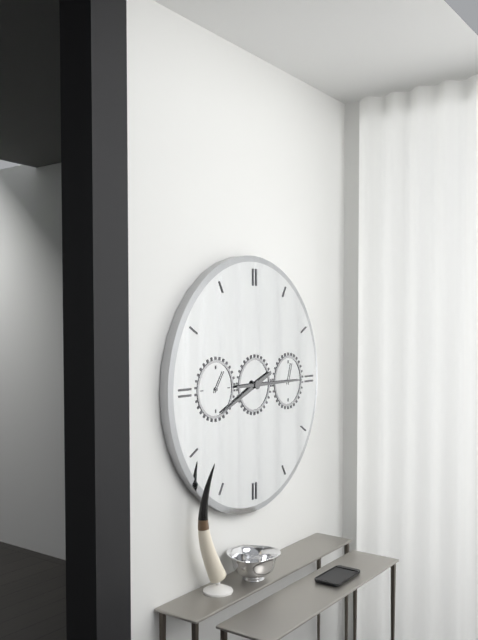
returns 8,15
